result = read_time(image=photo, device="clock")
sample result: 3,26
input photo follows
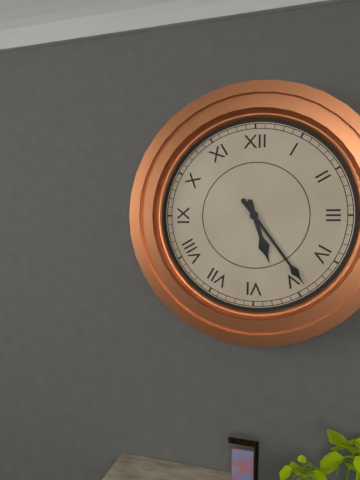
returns 5,24
